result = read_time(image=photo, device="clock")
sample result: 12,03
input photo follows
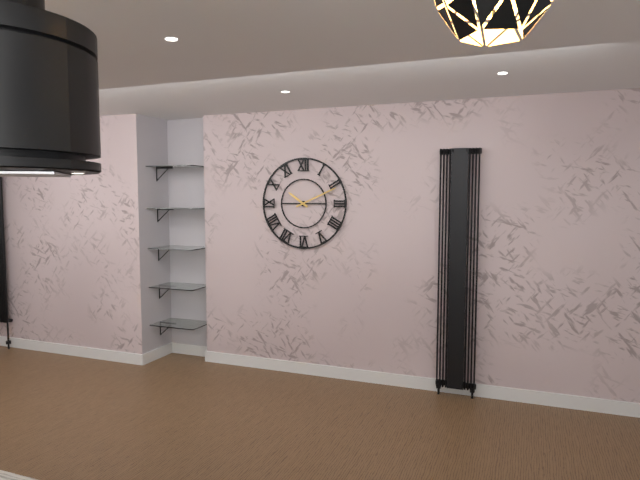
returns 10,11
